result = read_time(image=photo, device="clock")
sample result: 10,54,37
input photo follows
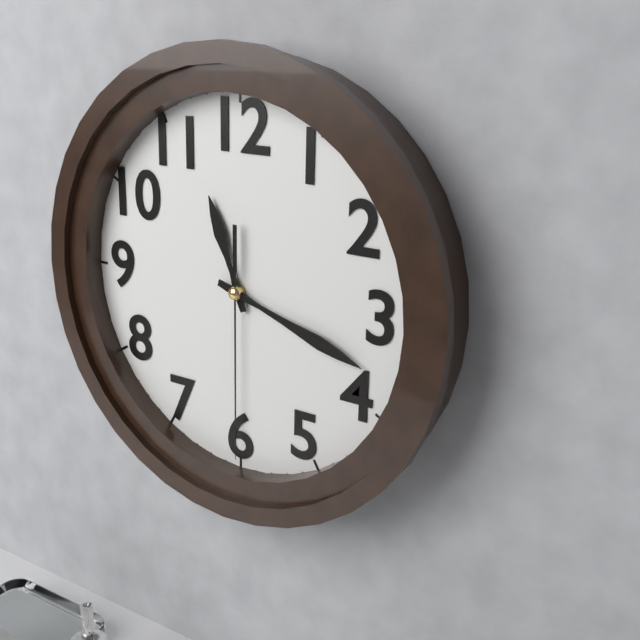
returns 11,18,30
